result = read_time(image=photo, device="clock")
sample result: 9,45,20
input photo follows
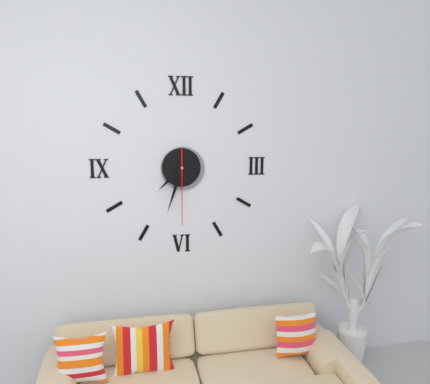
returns 7,33,30
